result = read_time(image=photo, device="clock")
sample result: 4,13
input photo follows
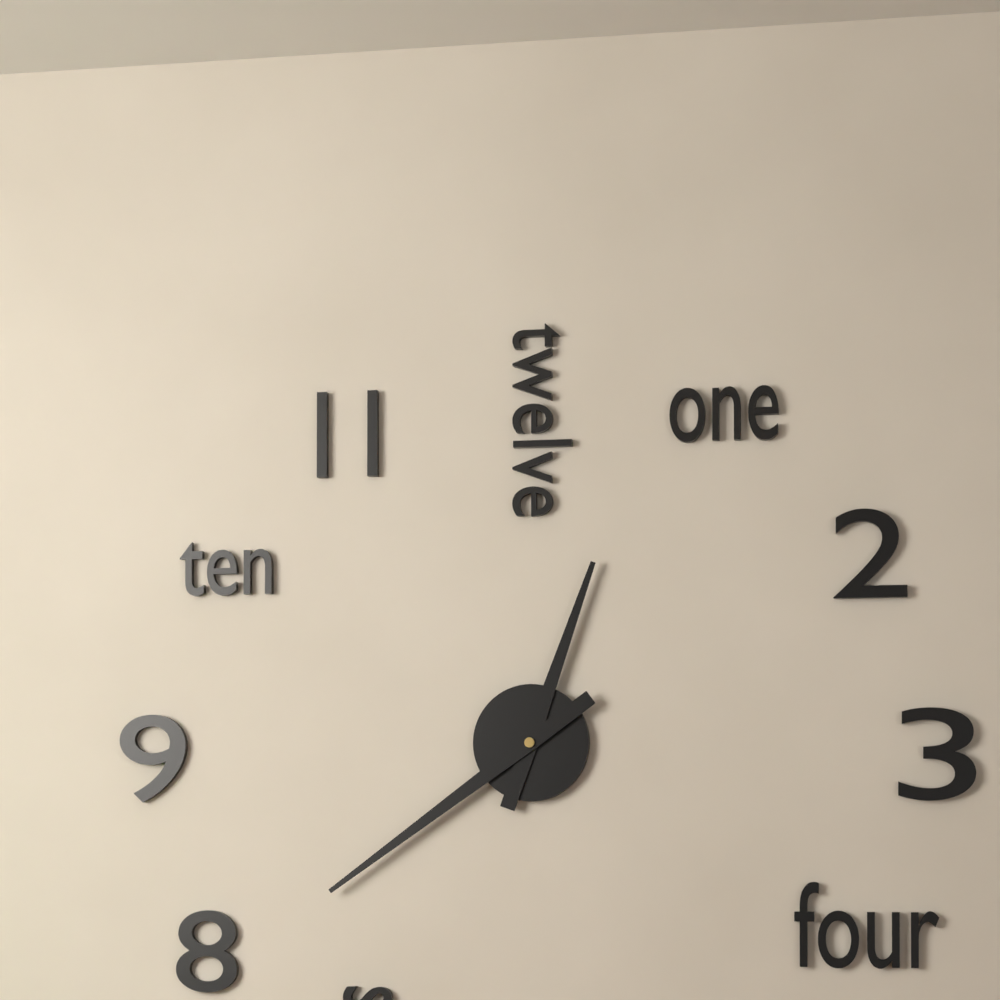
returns 12,39
